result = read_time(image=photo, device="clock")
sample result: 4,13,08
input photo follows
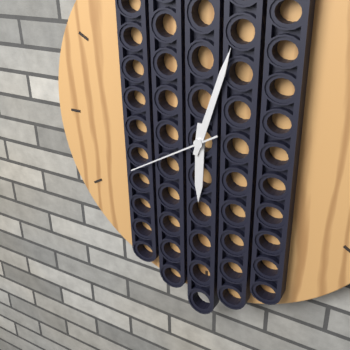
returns 6,03,40
